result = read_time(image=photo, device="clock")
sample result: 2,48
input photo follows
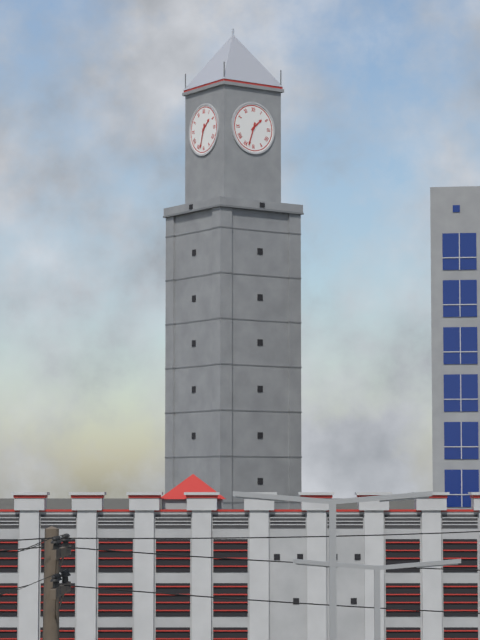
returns 1,33
